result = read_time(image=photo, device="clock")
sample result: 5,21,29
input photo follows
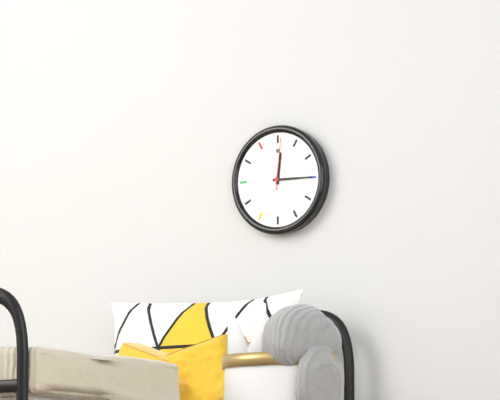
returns 12,15,01
